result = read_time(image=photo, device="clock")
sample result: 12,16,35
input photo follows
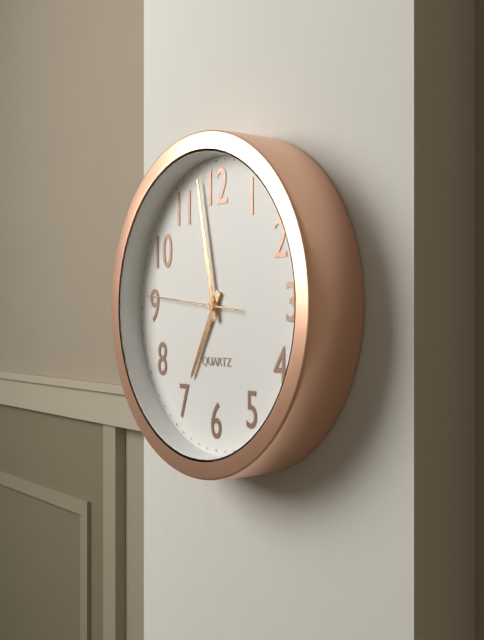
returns 6,58,46
